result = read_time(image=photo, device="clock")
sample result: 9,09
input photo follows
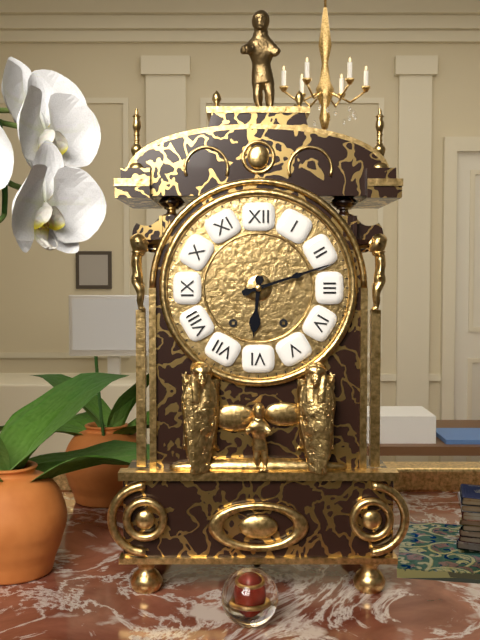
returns 6,12
